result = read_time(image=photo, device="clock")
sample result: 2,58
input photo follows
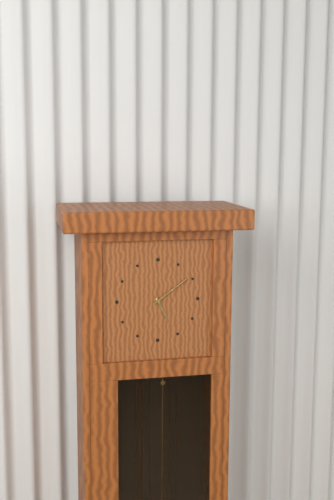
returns 5,09
